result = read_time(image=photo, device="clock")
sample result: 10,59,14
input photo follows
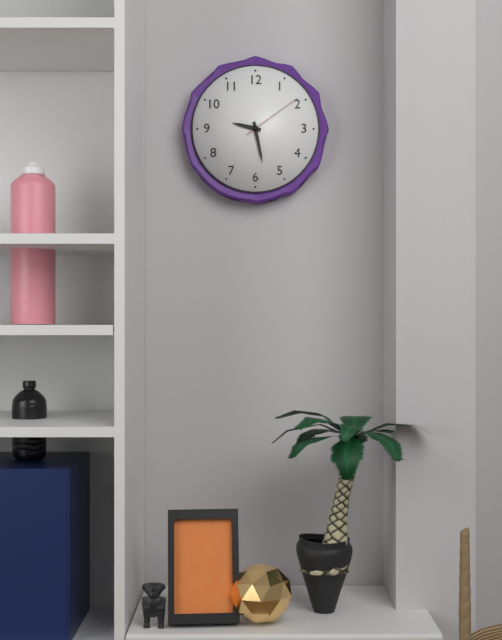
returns 9,28,09
